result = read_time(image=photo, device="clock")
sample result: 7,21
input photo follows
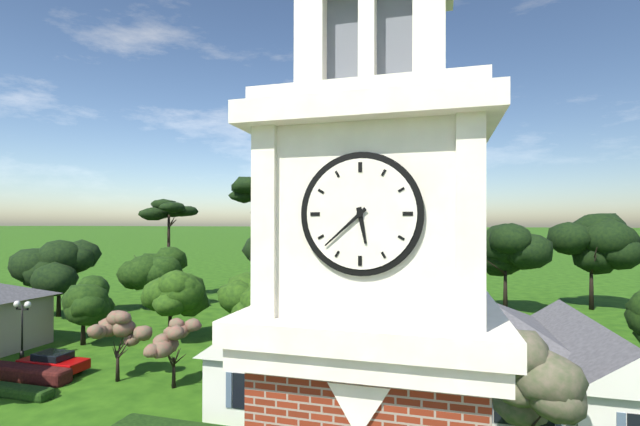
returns 5,38
